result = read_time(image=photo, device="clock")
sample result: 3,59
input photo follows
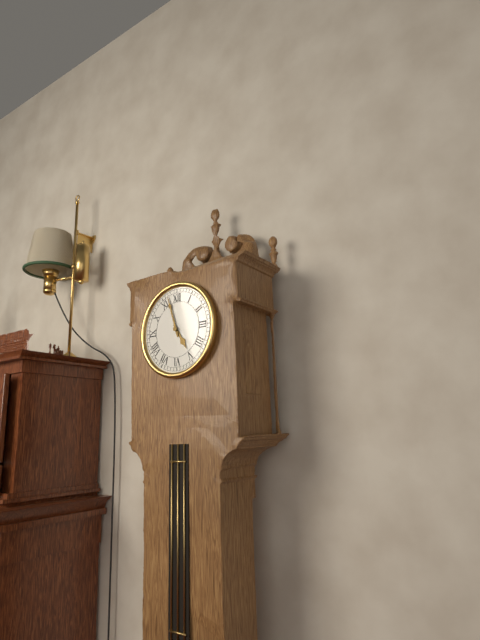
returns 4,57
